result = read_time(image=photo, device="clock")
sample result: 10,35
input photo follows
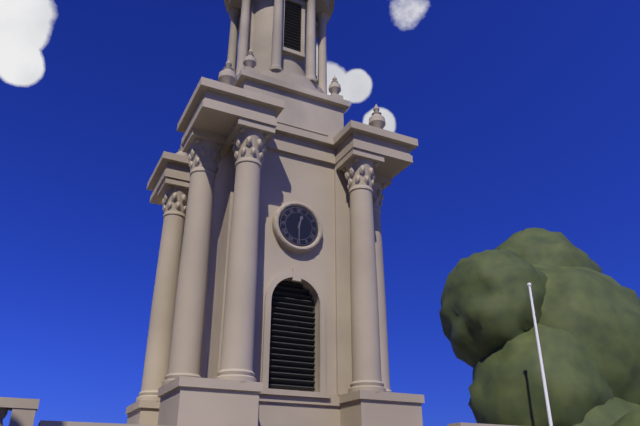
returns 12,30
